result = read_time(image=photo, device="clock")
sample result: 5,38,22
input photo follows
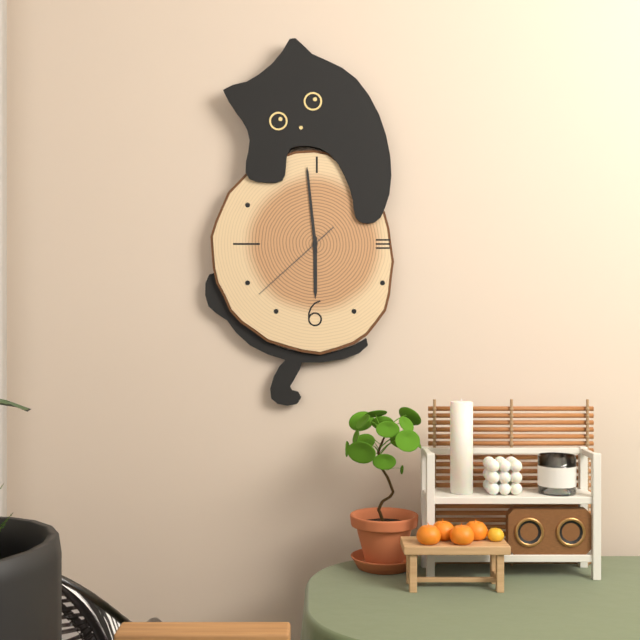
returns 5,59,38
